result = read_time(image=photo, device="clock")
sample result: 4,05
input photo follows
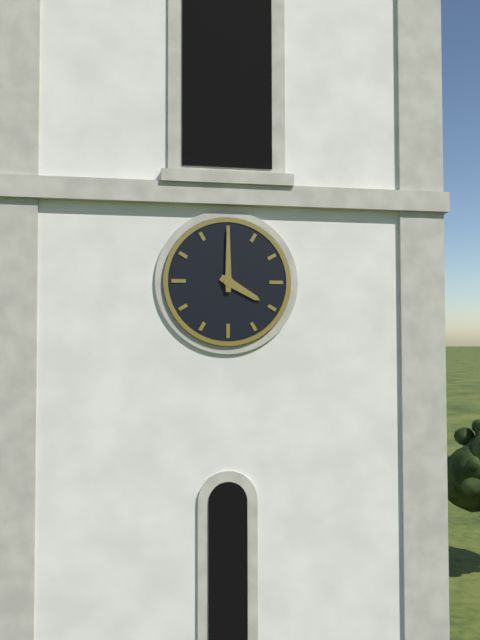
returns 4,00
